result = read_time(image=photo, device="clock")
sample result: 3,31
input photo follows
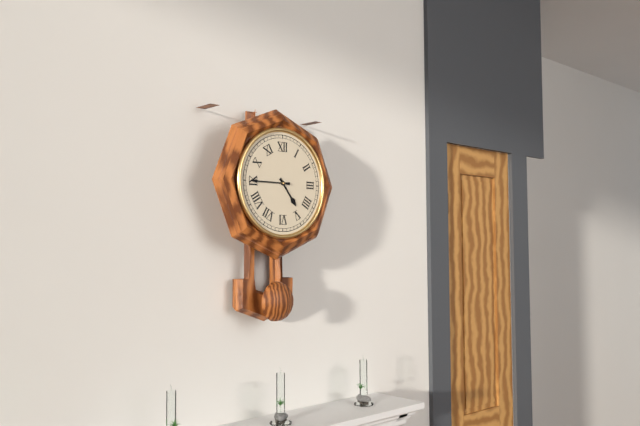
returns 4,45
